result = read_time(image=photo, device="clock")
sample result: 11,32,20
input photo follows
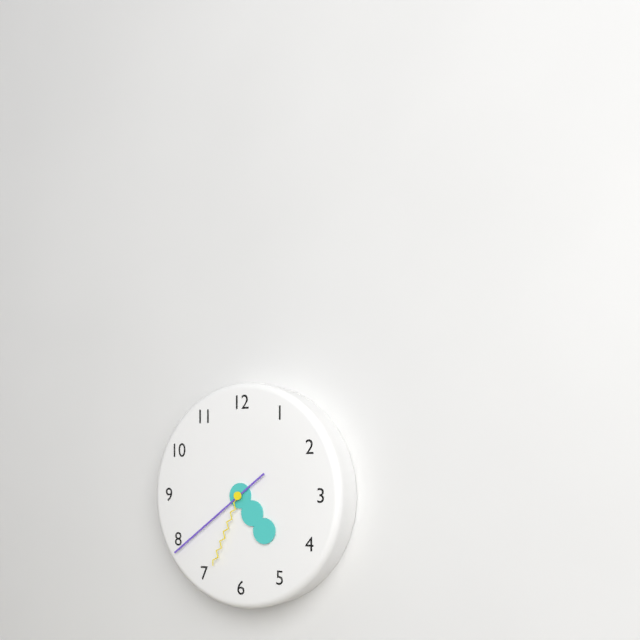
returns 4,39,34
